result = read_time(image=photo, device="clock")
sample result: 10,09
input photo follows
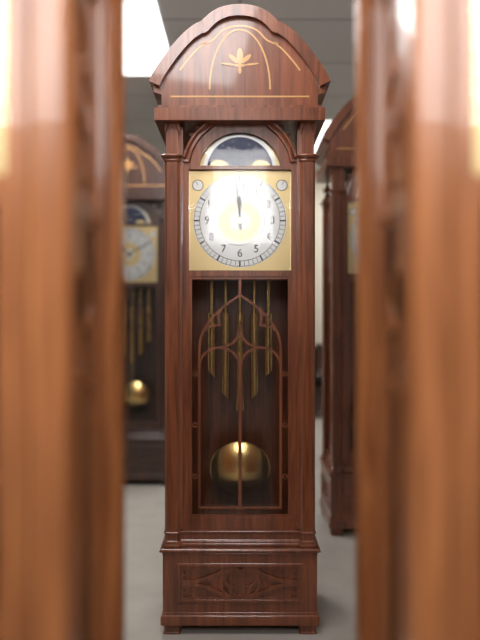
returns 11,59
